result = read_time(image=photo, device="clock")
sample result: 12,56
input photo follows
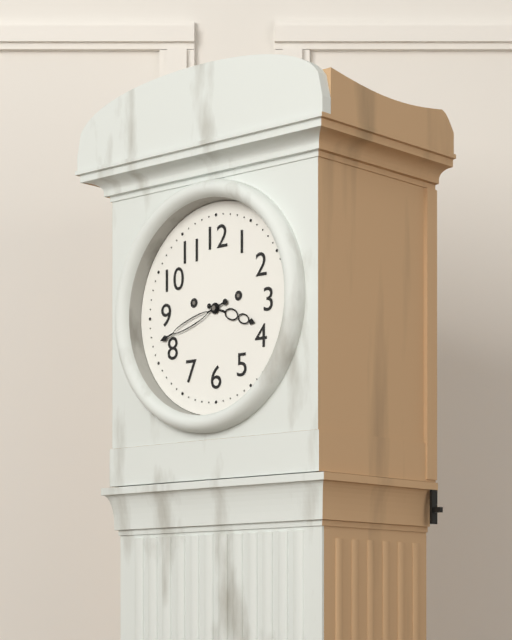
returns 3,42
